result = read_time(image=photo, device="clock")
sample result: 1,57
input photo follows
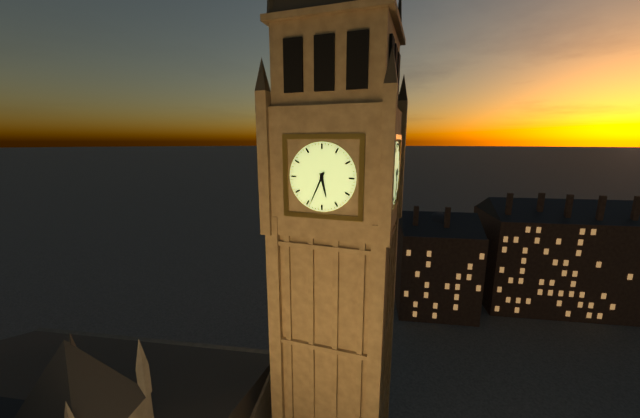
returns 5,34
